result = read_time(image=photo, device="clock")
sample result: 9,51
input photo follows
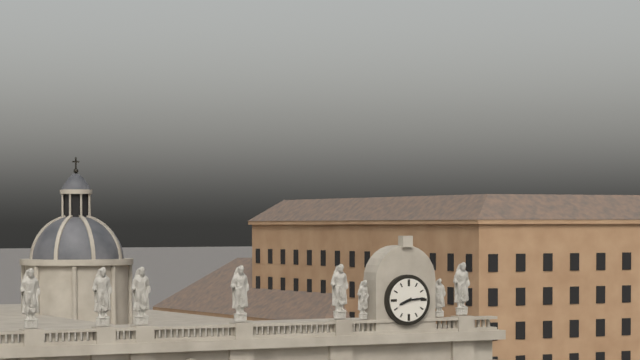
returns 8,14
